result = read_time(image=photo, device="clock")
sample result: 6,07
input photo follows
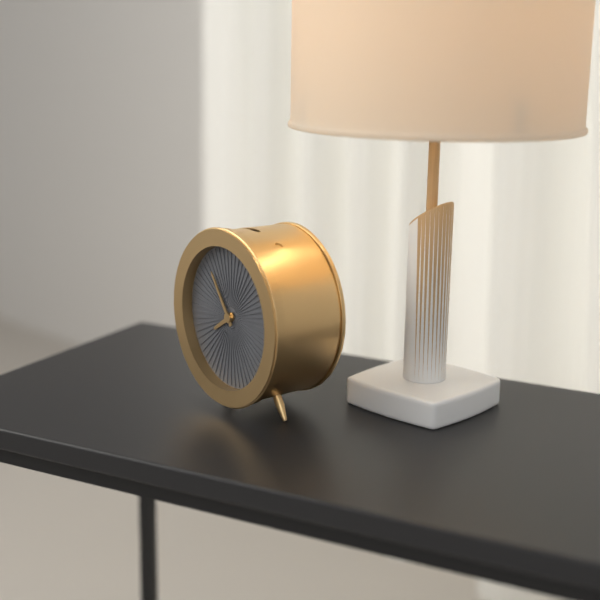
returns 7,54
